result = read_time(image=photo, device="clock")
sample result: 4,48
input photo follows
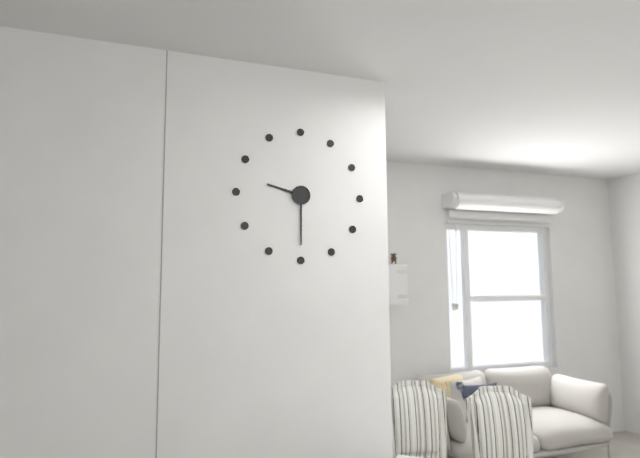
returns 9,30
